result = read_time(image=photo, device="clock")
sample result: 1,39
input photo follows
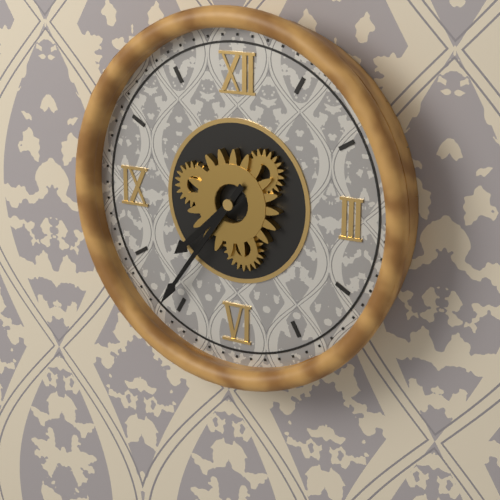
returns 7,36
